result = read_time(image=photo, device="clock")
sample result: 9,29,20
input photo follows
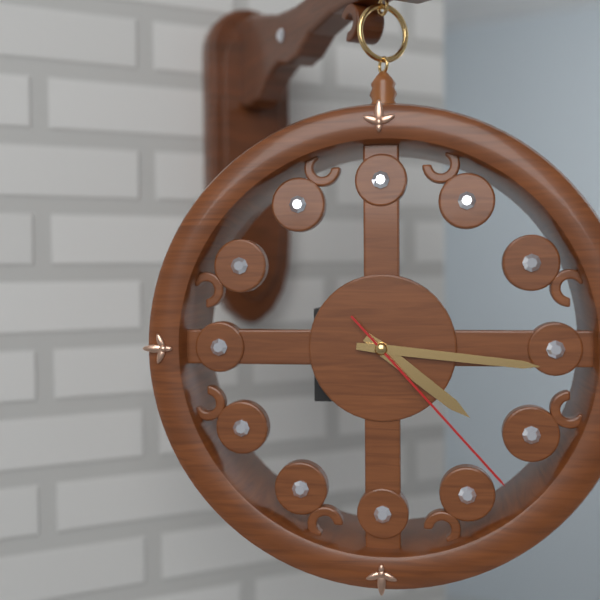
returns 4,16,23
